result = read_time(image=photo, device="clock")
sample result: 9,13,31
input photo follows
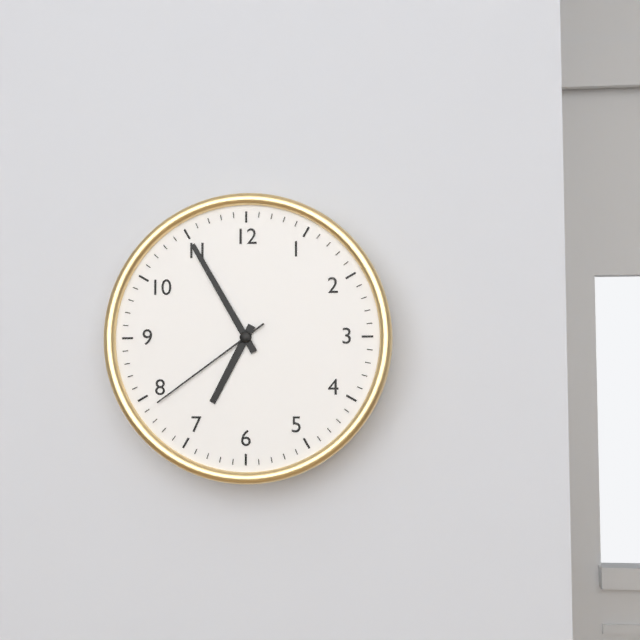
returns 6,55,39
